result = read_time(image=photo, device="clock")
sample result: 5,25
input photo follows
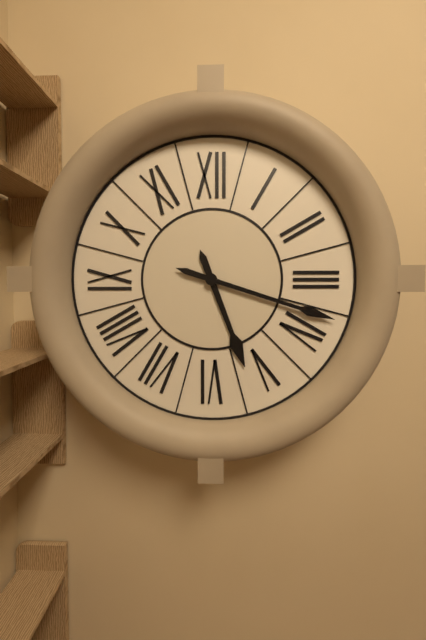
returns 5,18
